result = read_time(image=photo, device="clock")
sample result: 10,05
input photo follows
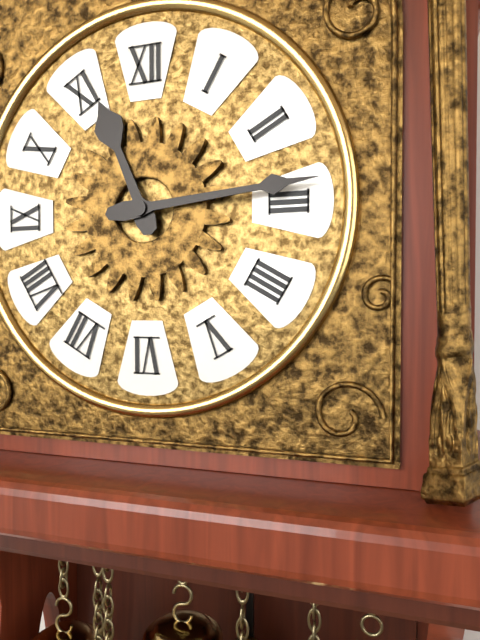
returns 11,14
